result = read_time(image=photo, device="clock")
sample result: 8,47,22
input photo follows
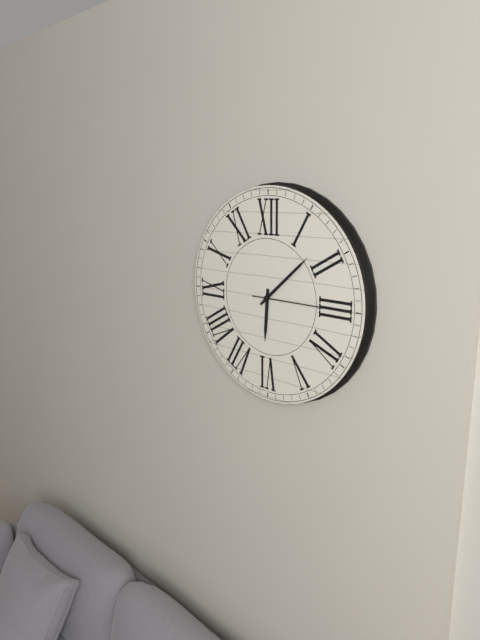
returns 6,08,15
